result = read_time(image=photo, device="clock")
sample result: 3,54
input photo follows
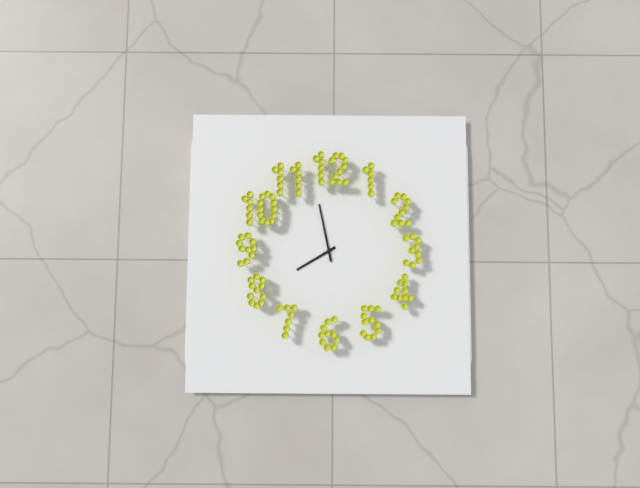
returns 7,58
